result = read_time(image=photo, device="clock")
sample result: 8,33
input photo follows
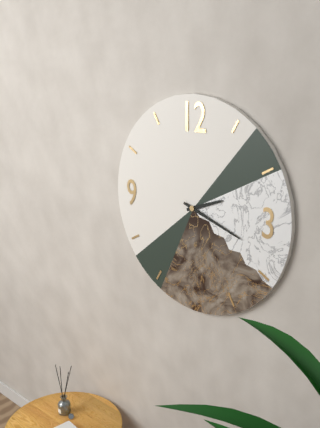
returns 2,18
